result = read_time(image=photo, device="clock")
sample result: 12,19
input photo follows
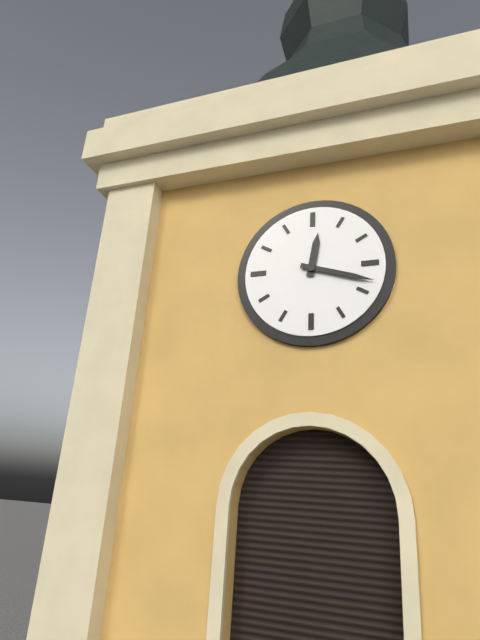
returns 12,18
